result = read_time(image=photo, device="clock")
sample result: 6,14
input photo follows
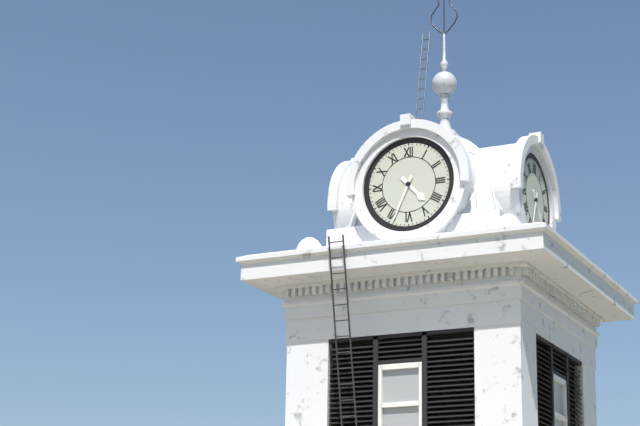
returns 4,34
